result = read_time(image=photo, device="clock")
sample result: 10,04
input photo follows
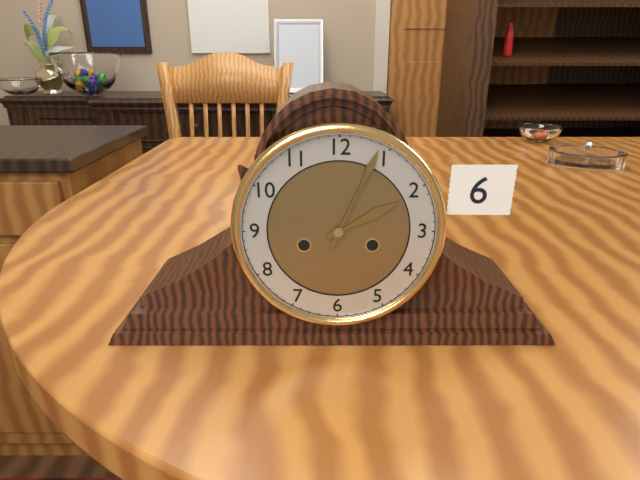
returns 2,04
